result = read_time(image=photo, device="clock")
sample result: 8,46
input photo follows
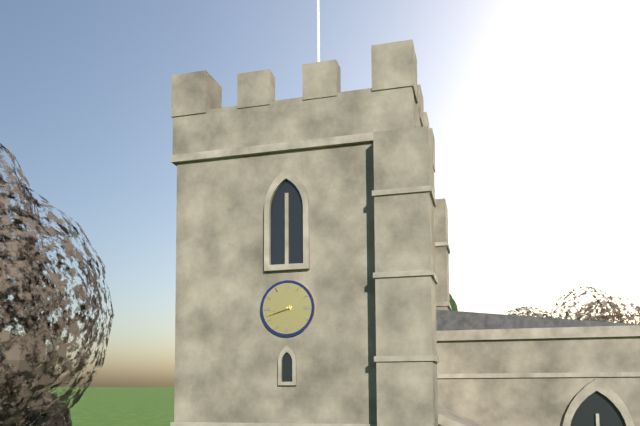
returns 8,42
